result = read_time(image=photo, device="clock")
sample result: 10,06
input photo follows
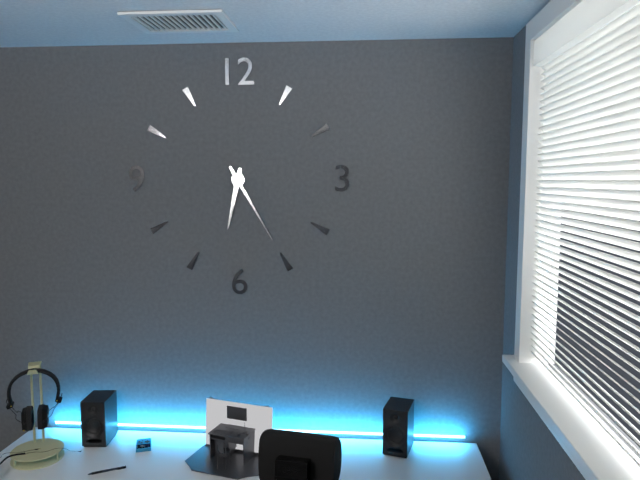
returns 6,25
